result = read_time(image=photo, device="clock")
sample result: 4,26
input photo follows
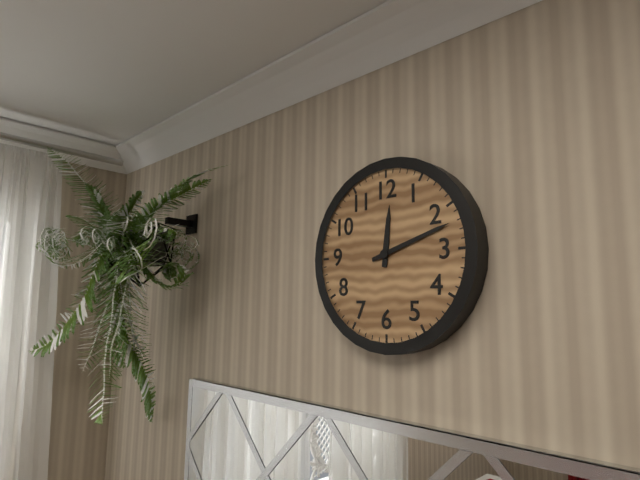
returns 12,12
